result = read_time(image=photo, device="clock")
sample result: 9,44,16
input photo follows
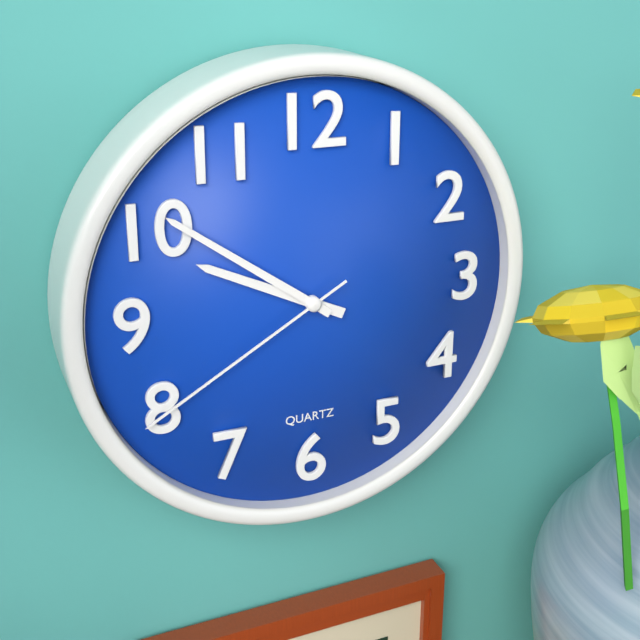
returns 9,51,40
